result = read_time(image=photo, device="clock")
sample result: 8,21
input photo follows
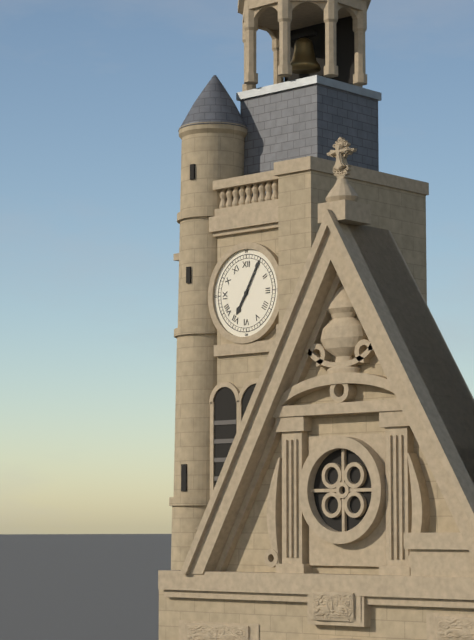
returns 7,05
